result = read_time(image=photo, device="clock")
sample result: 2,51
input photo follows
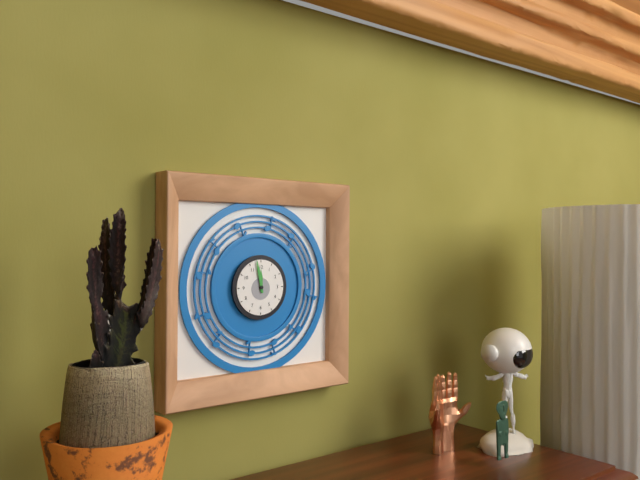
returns 11,58
